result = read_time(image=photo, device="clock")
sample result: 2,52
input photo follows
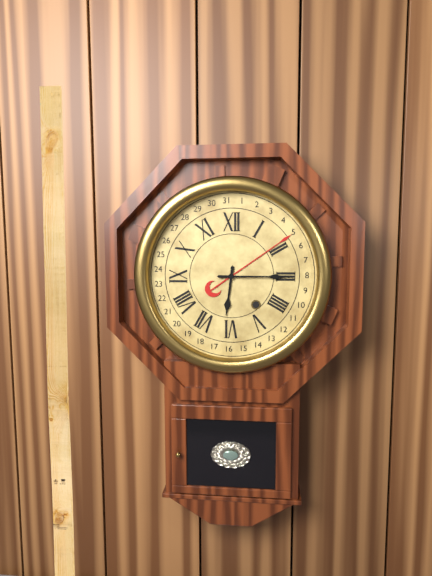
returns 6,15
